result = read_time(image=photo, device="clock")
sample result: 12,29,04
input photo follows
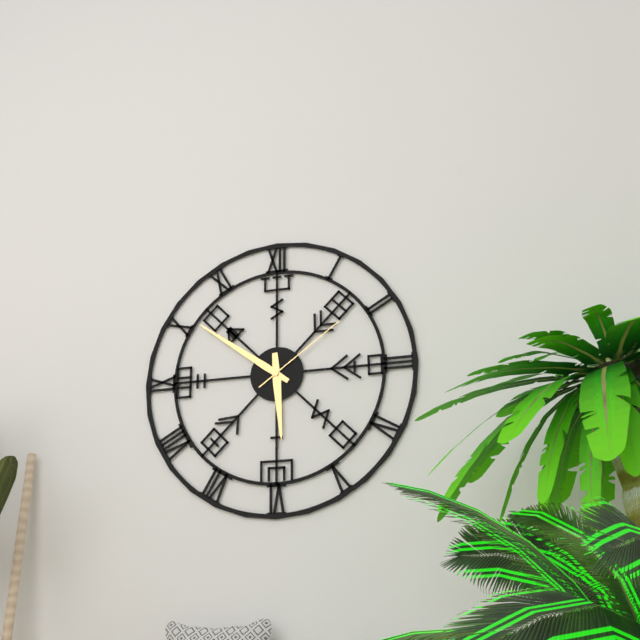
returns 5,51,09
